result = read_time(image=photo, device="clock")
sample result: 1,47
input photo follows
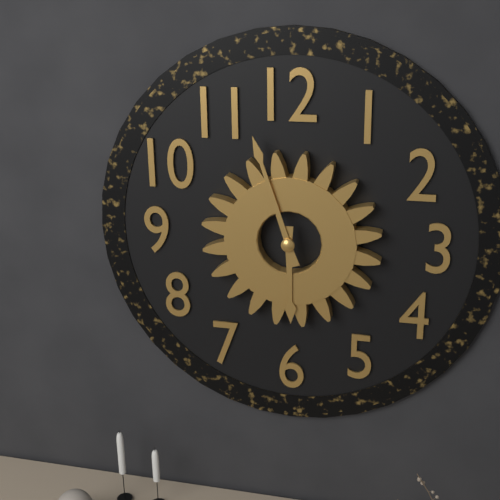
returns 5,57
